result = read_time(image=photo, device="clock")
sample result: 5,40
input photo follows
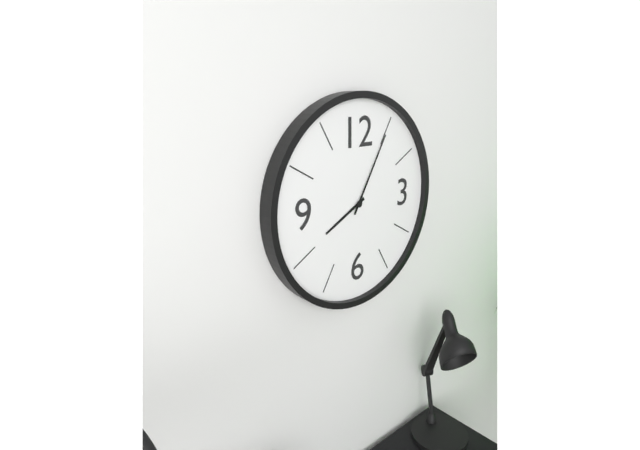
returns 8,05
